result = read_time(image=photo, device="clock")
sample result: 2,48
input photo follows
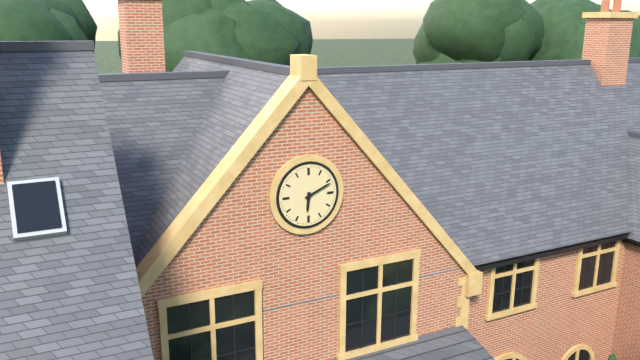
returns 6,11
